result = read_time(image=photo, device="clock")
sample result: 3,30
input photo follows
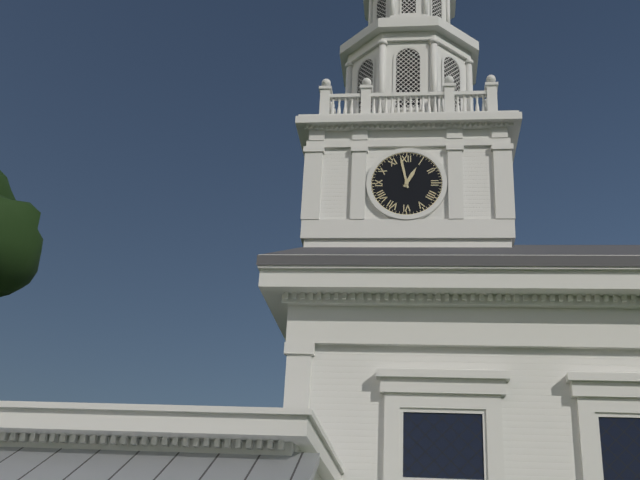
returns 12,58
